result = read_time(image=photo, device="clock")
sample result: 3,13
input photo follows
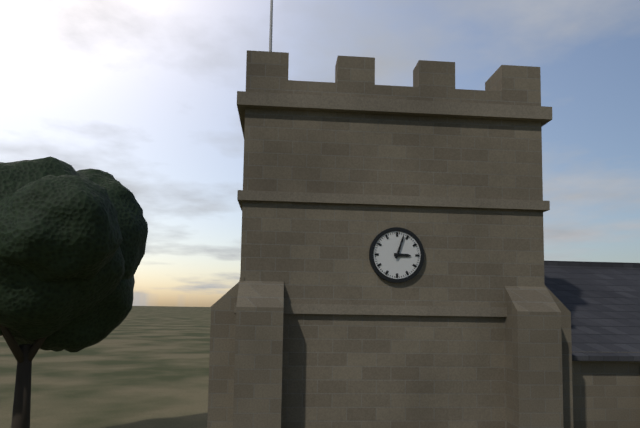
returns 3,03
